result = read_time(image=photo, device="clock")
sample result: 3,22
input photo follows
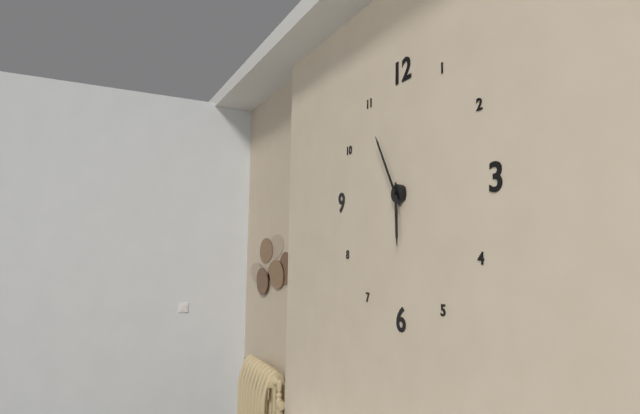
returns 5,55
